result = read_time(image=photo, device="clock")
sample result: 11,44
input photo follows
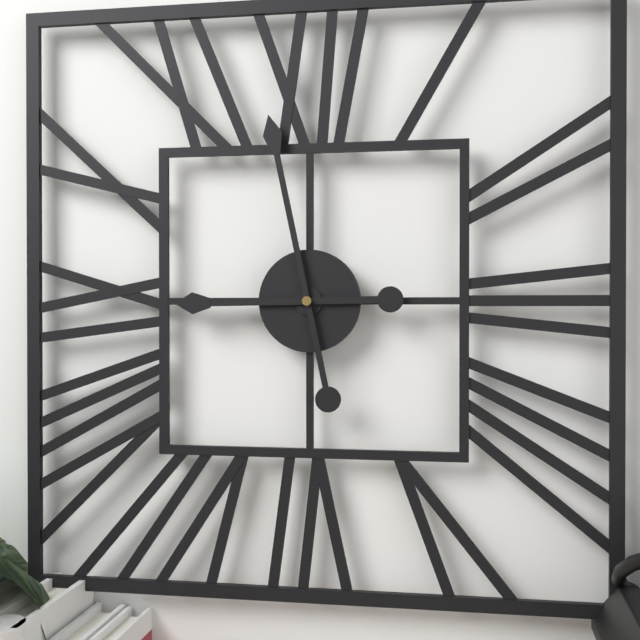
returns 8,58
